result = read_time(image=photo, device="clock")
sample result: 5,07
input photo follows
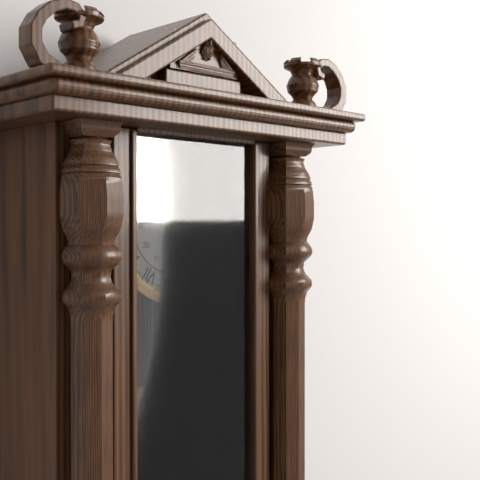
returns 11,55
